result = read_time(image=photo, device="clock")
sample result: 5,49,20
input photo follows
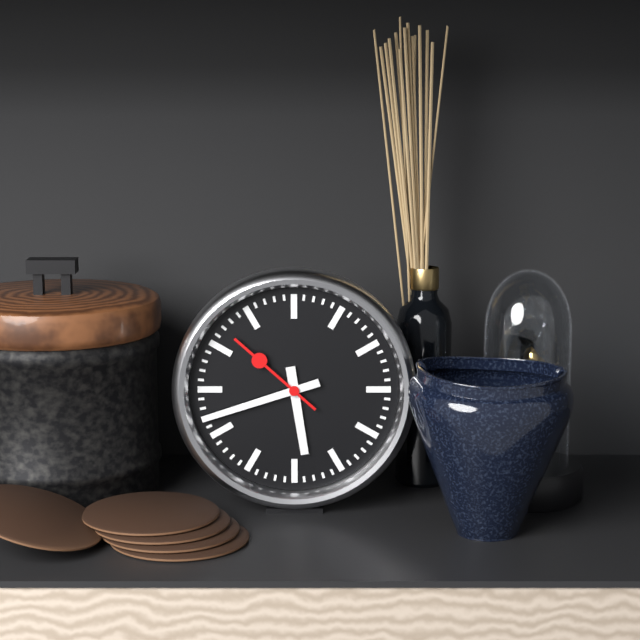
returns 5,42,52
